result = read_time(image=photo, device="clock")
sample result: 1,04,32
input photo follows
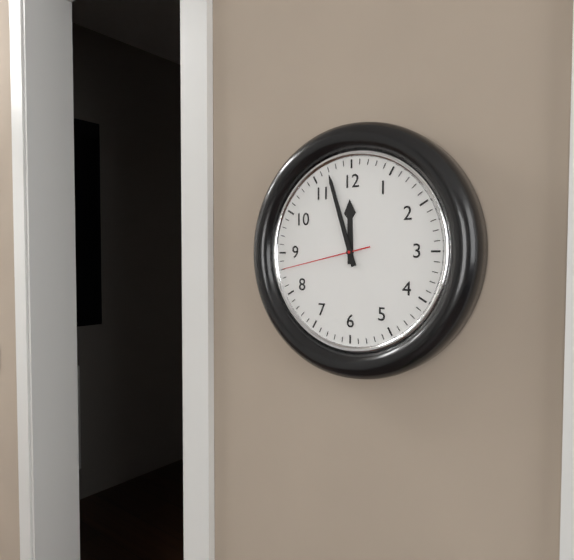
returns 11,57,43
